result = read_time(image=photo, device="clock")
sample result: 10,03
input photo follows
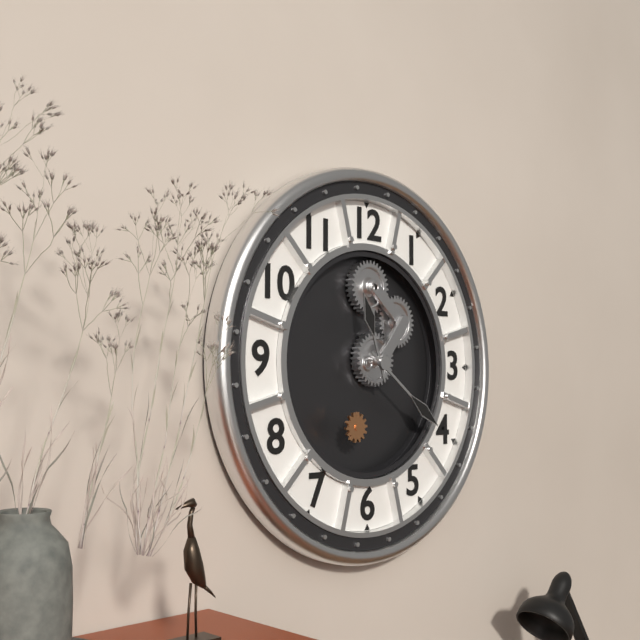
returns 11,21
